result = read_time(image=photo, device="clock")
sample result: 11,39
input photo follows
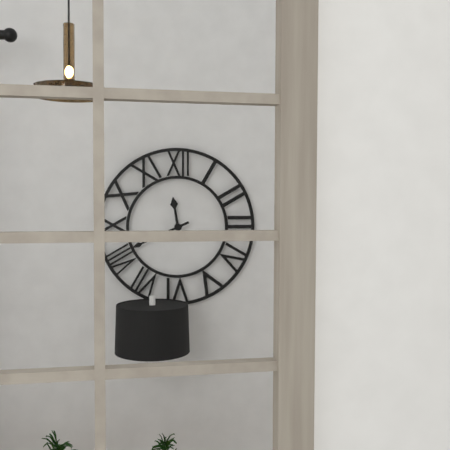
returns 11,41
